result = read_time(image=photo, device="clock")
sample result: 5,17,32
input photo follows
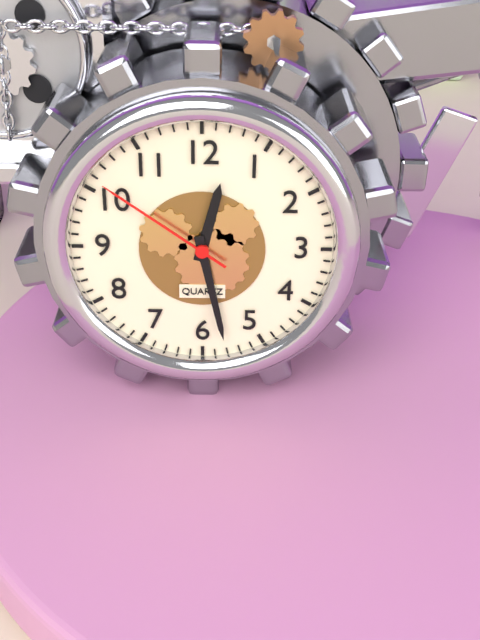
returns 12,28,51
